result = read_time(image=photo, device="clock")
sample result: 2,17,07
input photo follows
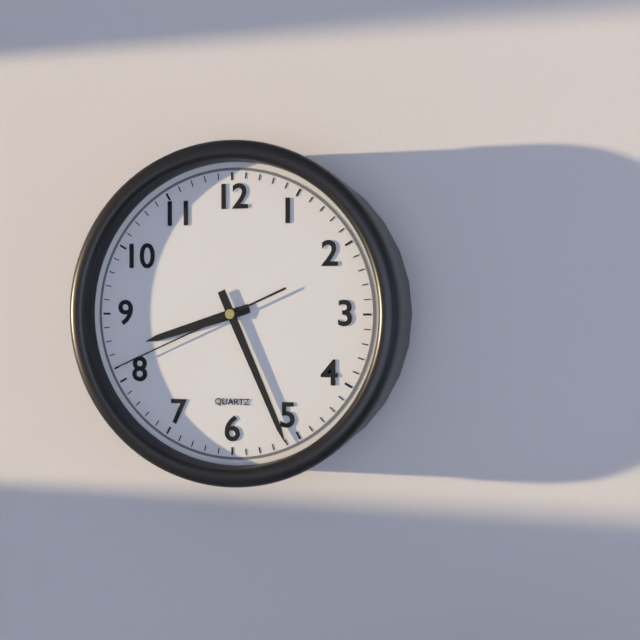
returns 8,26,41
